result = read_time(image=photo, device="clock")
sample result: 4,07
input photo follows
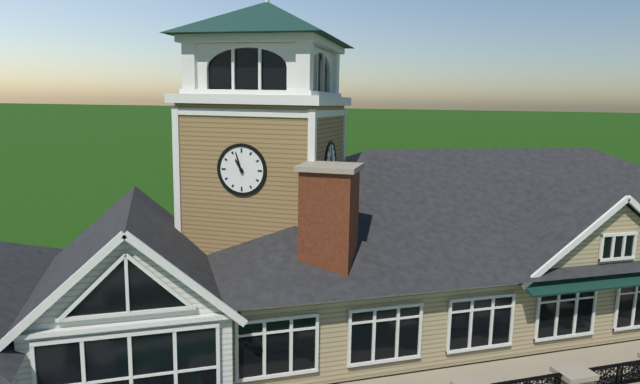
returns 10,57
